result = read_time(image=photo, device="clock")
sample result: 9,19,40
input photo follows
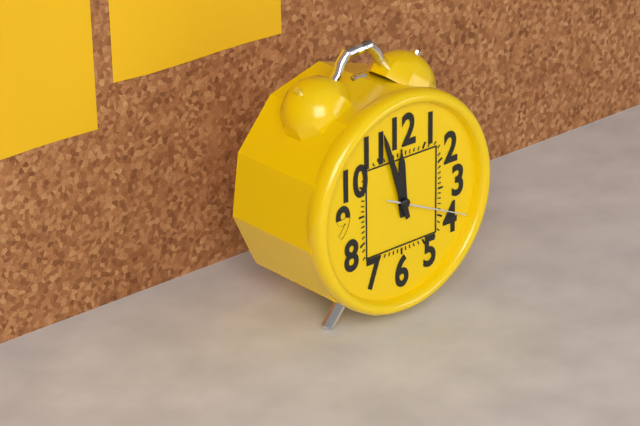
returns 11,57,19
